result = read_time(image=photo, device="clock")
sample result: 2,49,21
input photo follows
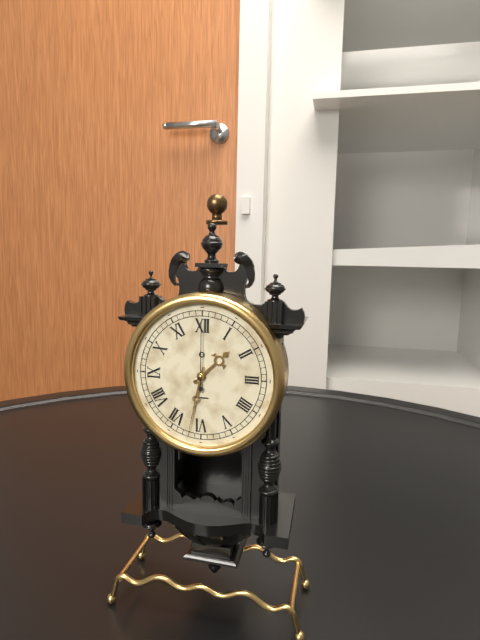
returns 1,32,00
